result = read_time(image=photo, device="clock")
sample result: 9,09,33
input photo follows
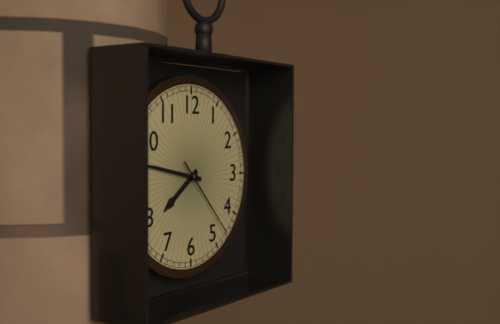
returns 7,47,23
